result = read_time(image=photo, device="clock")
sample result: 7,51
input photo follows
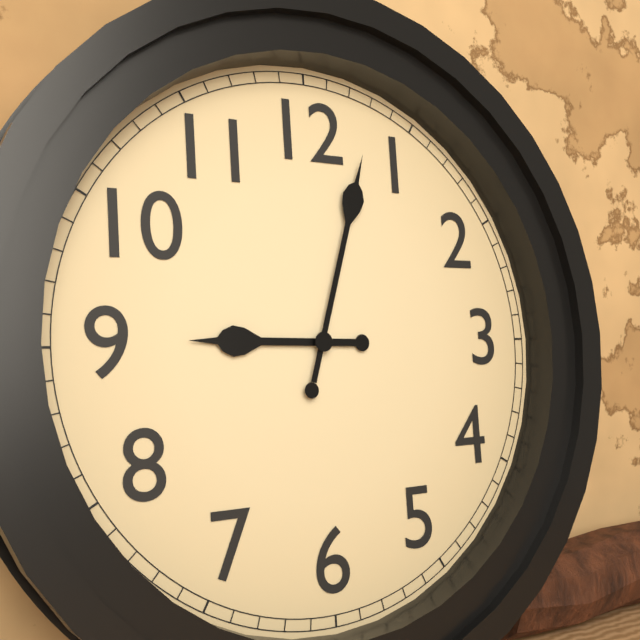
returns 9,03
